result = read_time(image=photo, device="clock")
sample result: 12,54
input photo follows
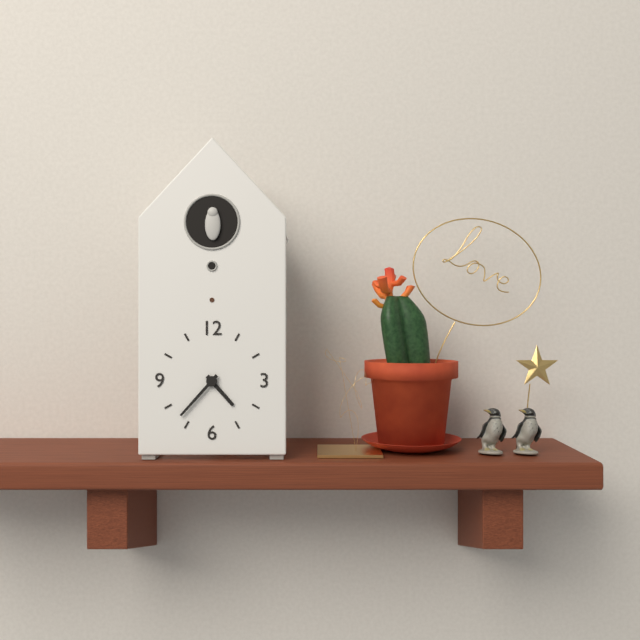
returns 4,37
